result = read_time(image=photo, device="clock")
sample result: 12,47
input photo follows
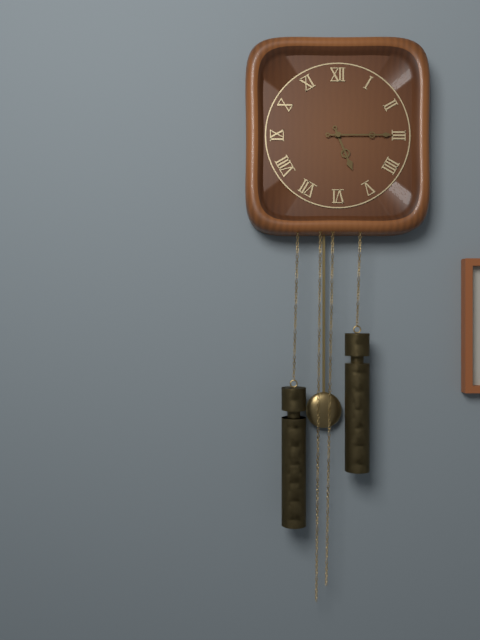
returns 5,15
